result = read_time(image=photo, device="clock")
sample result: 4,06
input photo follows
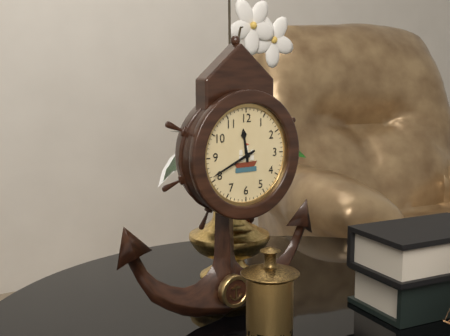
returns 11,41
